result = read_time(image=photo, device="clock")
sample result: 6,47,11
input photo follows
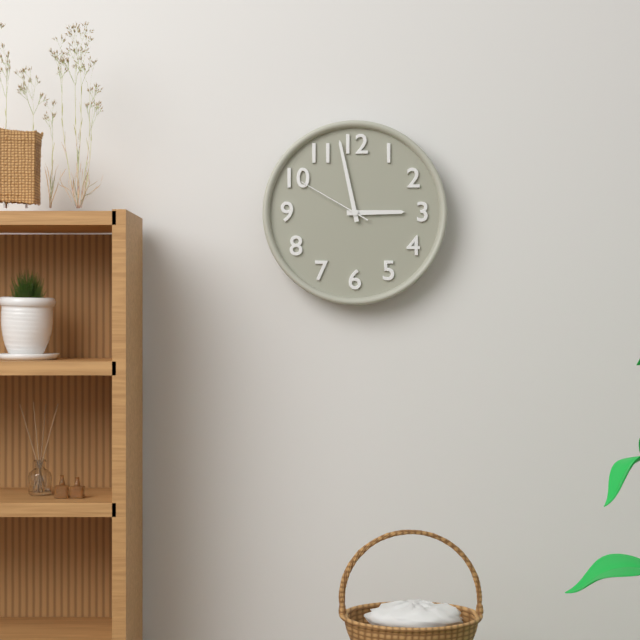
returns 2,58,50
